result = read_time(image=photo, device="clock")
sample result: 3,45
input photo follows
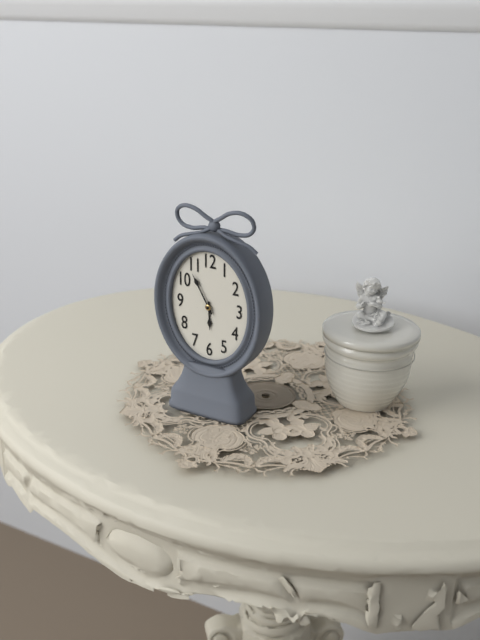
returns 5,55
